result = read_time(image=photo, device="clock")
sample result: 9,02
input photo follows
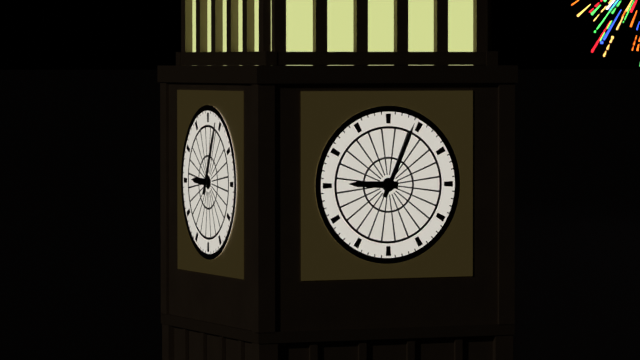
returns 9,04
